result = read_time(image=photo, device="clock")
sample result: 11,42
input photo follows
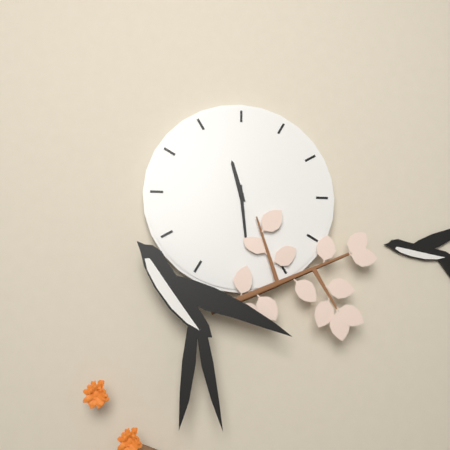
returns 11,29
